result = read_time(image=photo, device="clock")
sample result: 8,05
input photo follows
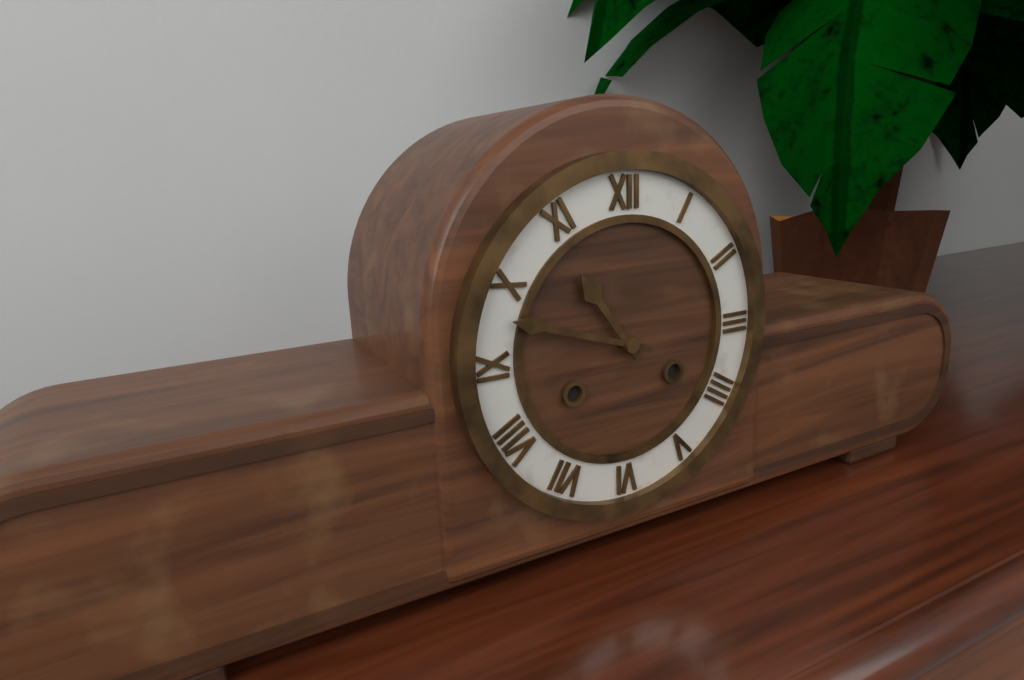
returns 10,48
